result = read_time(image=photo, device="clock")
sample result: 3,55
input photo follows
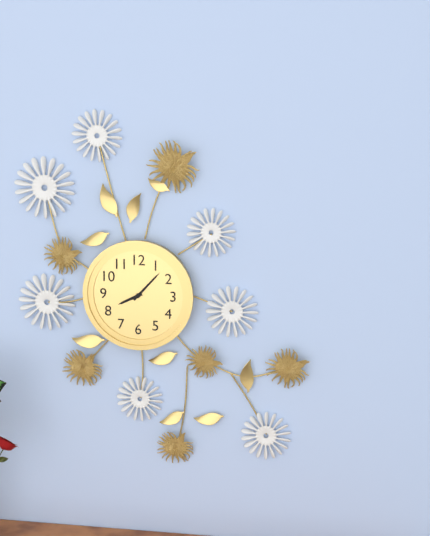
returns 8,07
